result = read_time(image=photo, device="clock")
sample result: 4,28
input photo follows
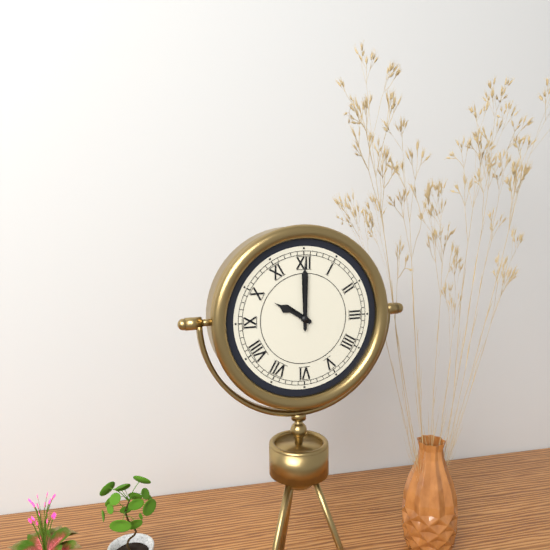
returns 10,00
